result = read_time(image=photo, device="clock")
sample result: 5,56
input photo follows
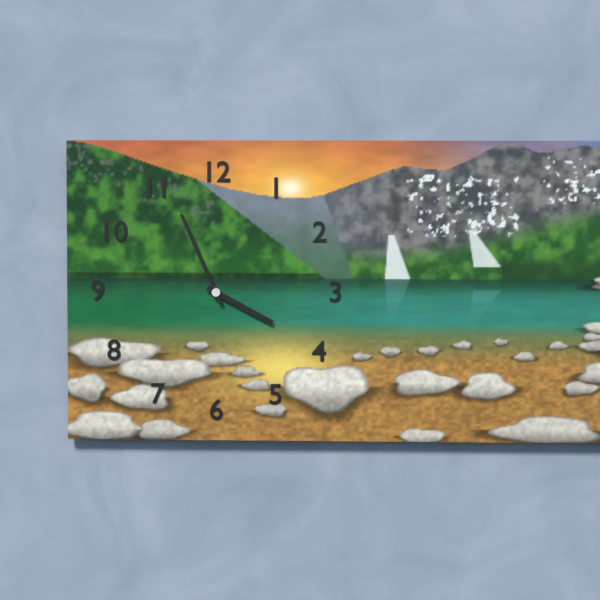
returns 3,56
